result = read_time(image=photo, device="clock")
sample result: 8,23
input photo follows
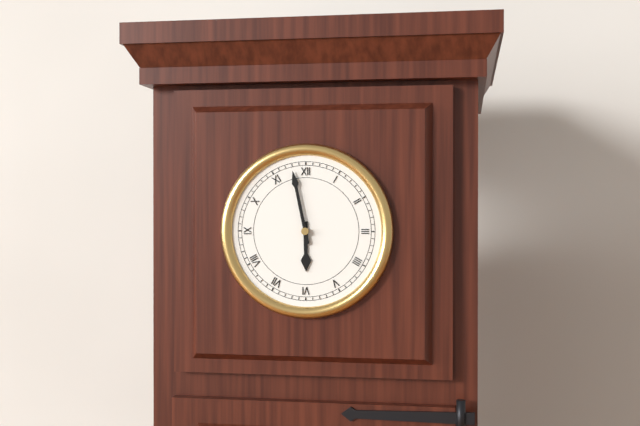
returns 5,58
